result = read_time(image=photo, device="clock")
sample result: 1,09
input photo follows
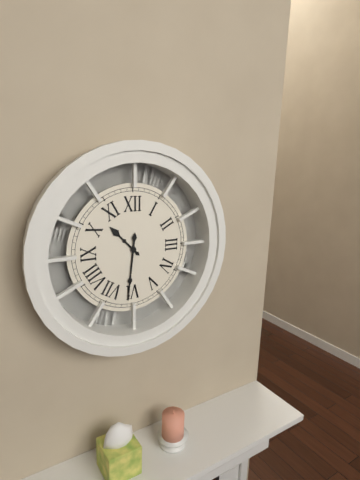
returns 10,31
